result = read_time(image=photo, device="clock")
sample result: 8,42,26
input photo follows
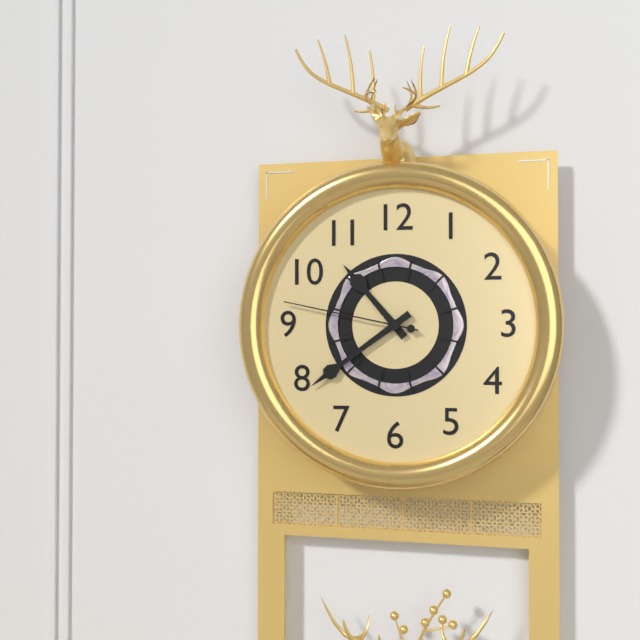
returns 10,39,47
